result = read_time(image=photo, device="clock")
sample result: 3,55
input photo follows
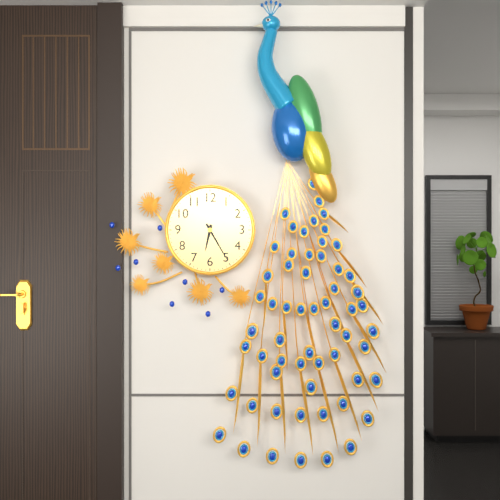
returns 6,25
